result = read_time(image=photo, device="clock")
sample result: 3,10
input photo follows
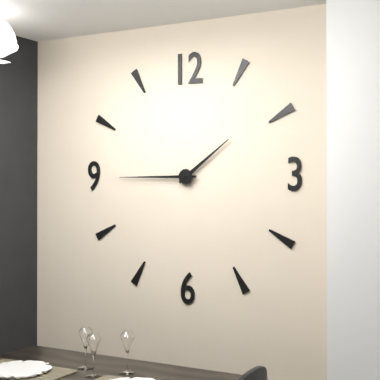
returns 1,45
